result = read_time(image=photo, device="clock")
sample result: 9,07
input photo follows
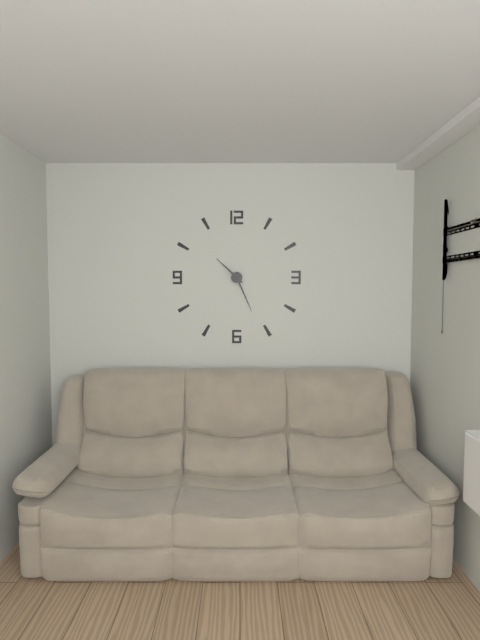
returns 10,26
